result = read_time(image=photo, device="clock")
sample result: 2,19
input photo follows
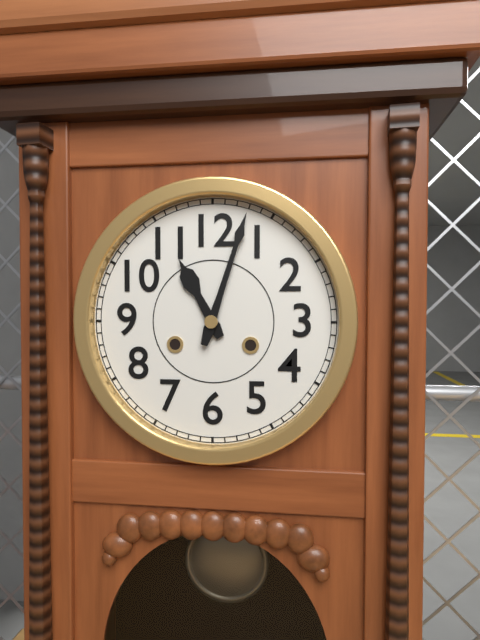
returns 11,03
